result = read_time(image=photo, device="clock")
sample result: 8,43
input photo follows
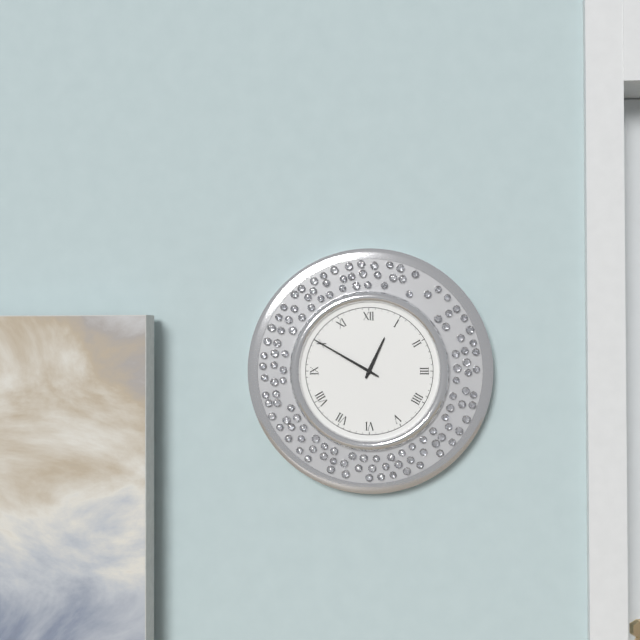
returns 12,50
